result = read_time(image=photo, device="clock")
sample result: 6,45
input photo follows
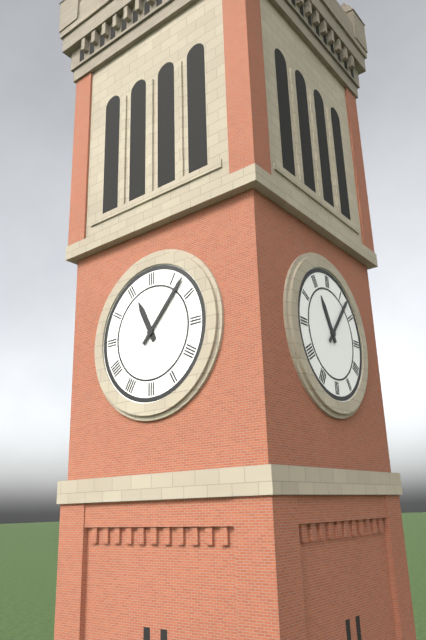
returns 11,07
